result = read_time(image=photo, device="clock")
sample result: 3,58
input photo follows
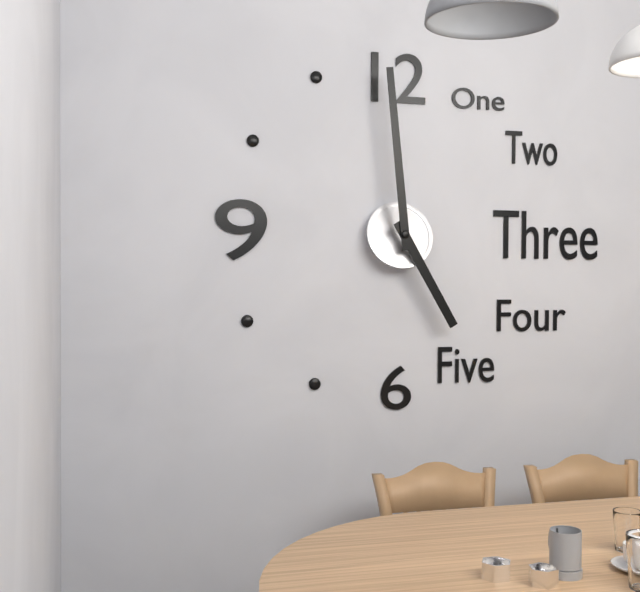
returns 4,59
